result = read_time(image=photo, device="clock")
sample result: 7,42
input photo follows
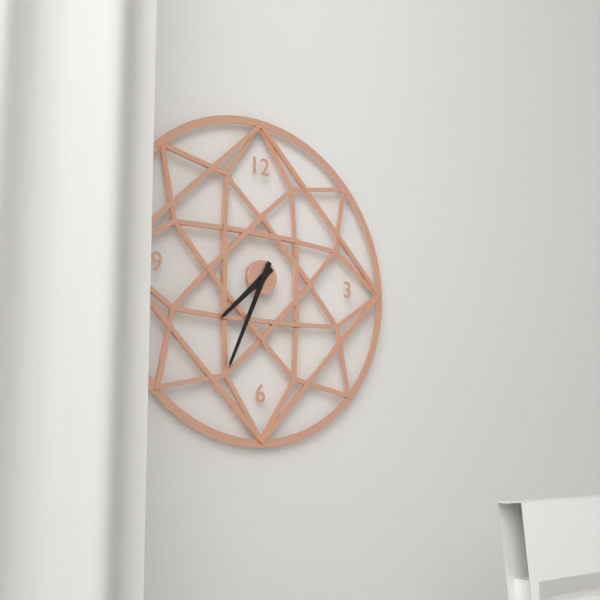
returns 7,34
